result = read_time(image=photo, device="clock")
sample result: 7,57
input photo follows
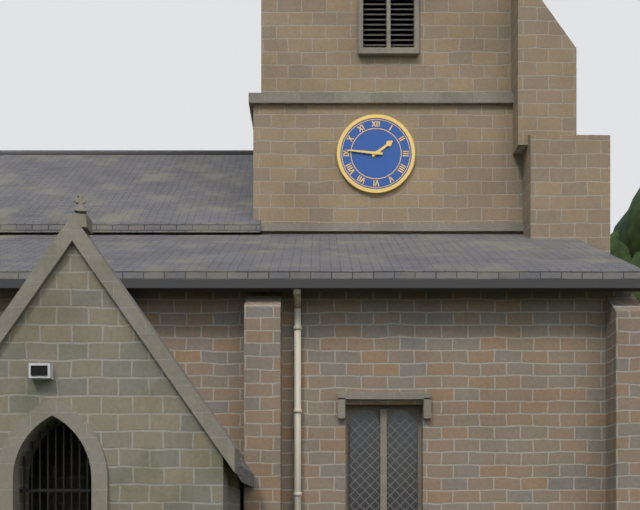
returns 1,46
